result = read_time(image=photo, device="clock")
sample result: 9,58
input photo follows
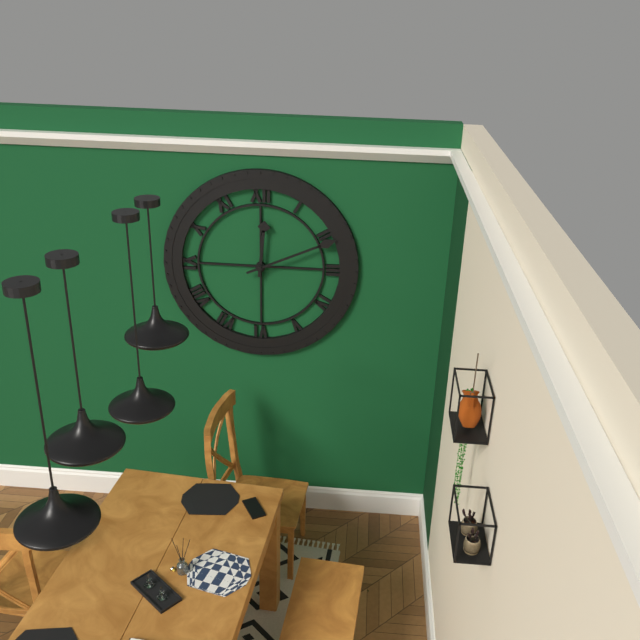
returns 12,11
